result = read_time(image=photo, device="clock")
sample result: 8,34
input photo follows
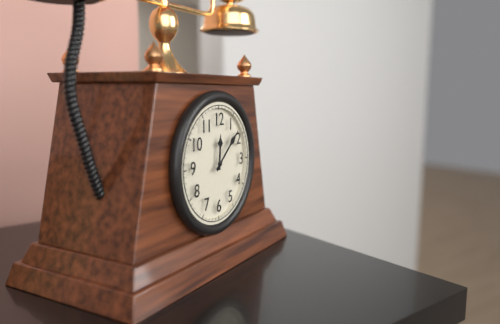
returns 12,08
